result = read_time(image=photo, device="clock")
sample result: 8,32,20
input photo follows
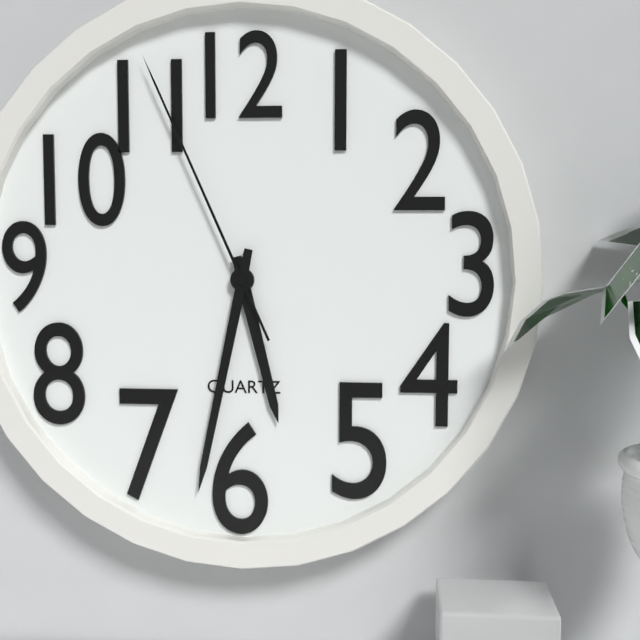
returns 5,32,56
